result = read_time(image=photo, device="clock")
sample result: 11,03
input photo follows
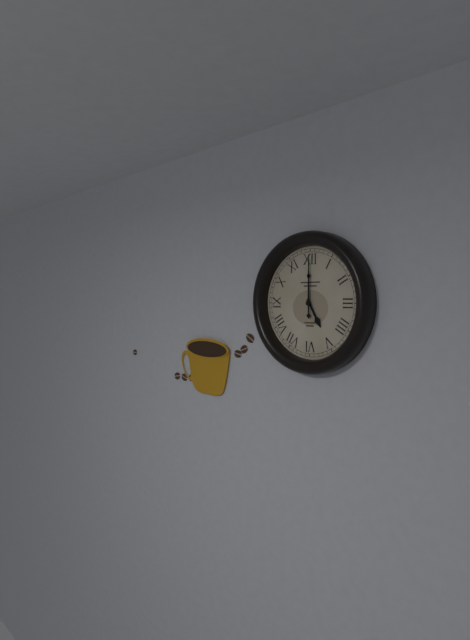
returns 5,00
